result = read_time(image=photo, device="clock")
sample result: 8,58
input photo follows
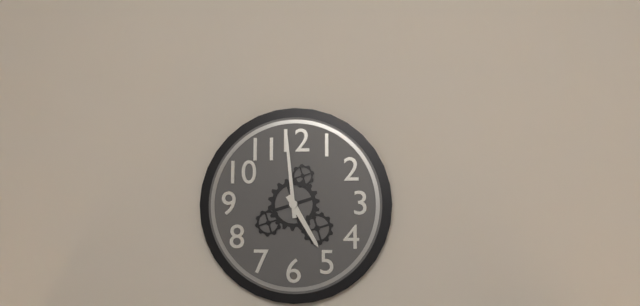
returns 4,59
